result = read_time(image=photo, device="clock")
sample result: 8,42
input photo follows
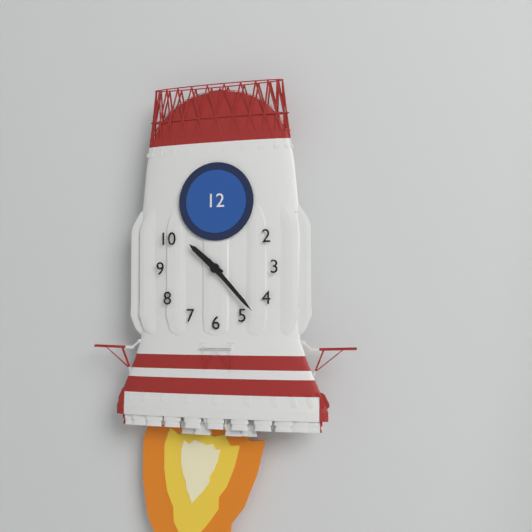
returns 10,23
